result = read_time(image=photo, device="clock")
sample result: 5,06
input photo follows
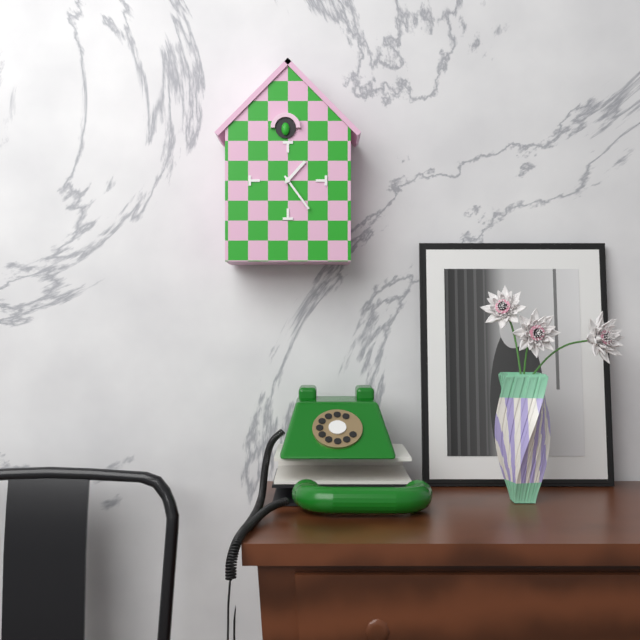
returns 1,24
